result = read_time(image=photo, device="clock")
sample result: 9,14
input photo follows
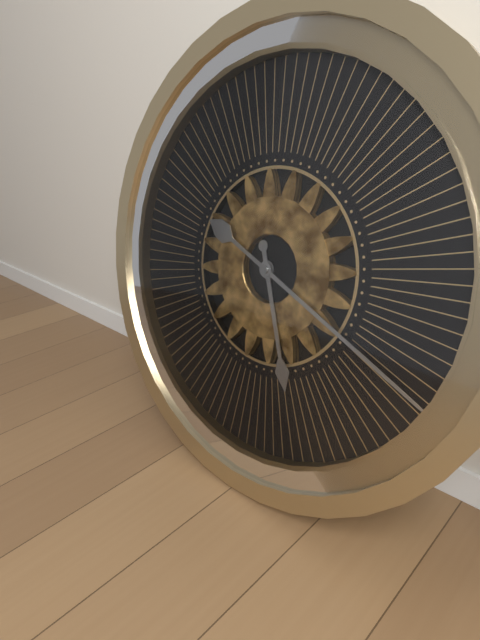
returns 5,19
